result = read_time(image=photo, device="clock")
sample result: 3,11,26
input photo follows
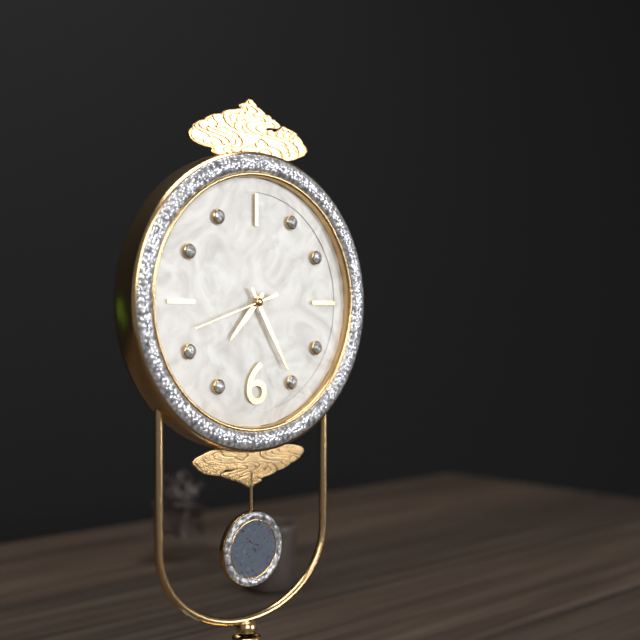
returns 7,25,42
